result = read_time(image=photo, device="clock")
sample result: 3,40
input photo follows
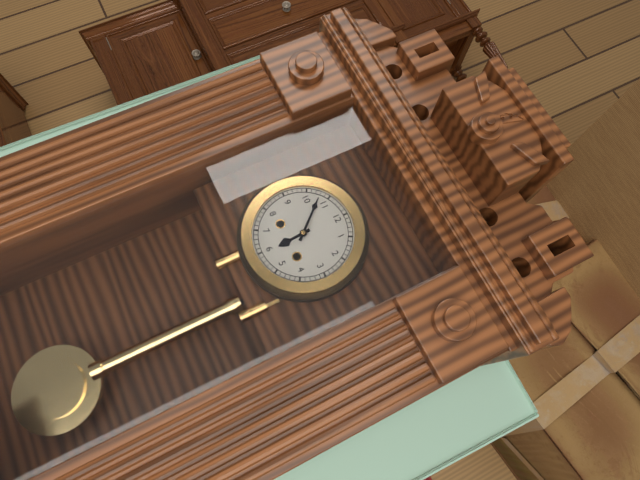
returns 5,53
